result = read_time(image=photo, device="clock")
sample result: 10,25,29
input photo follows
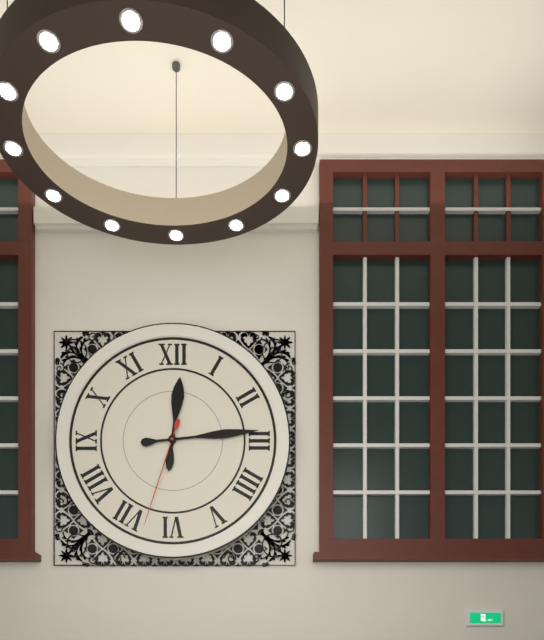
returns 12,14,33
